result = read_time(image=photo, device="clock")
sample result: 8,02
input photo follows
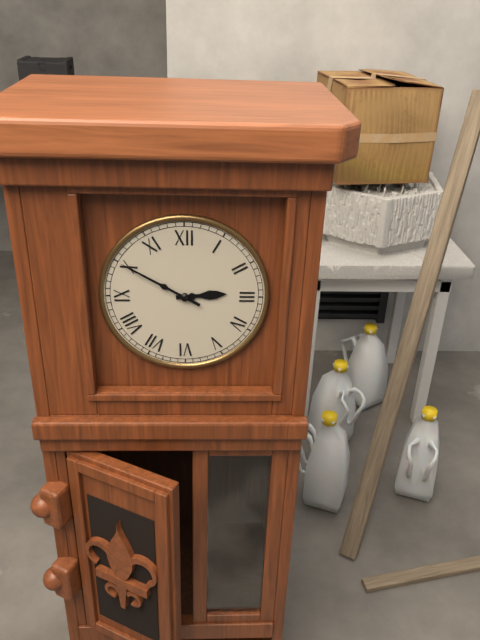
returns 2,50
